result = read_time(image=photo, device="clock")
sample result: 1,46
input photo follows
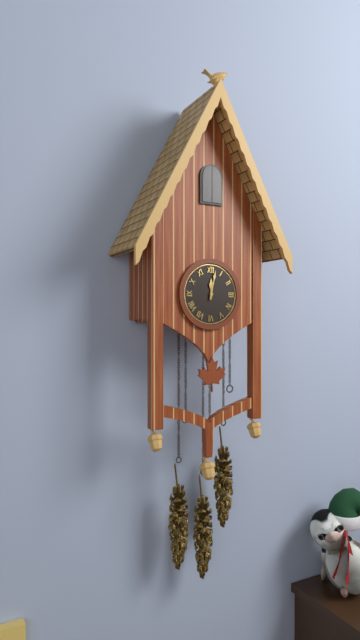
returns 12,02
